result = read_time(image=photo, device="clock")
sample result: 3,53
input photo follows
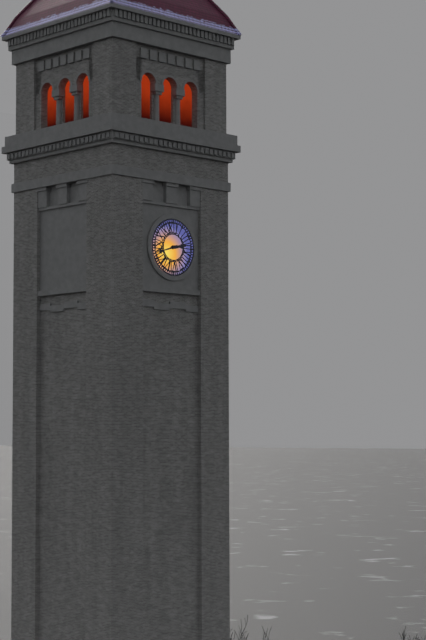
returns 2,42
